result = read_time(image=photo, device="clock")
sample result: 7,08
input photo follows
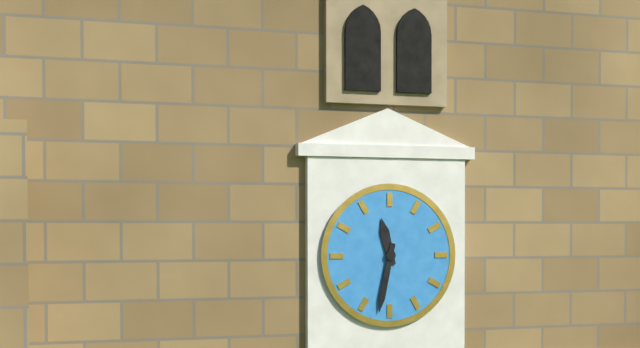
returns 11,32
